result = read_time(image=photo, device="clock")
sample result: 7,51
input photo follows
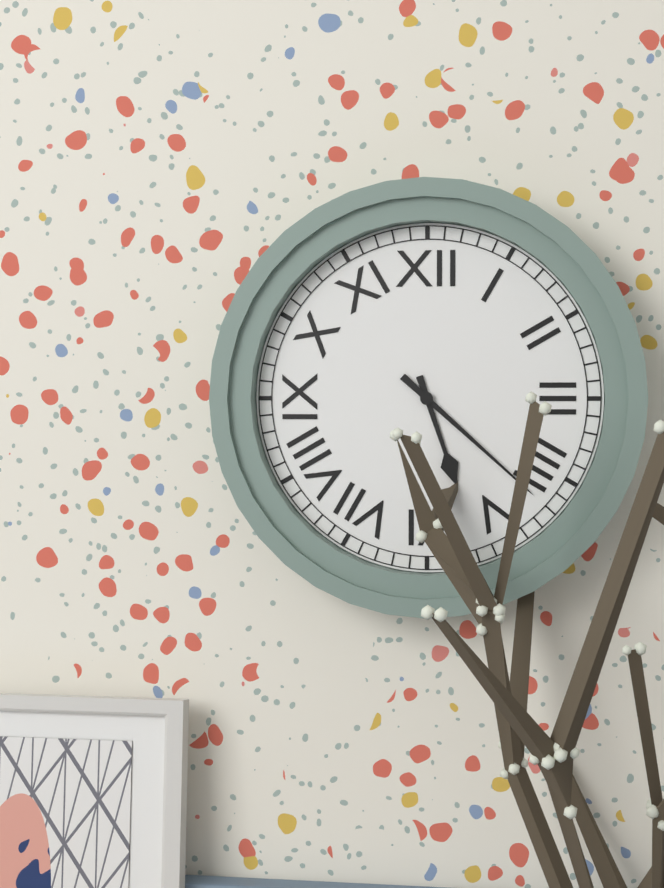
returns 5,22
